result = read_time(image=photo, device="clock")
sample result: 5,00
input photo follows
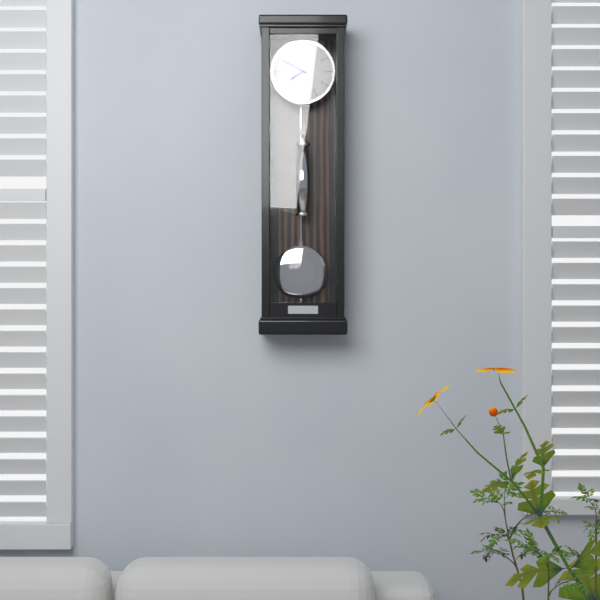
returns 7,50
